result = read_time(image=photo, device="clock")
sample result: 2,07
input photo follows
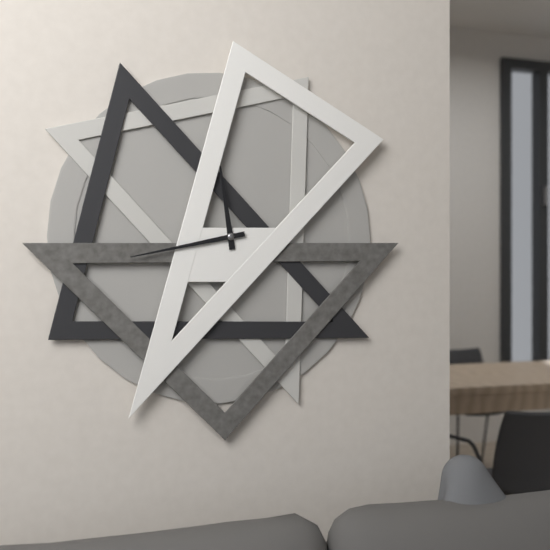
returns 11,43
